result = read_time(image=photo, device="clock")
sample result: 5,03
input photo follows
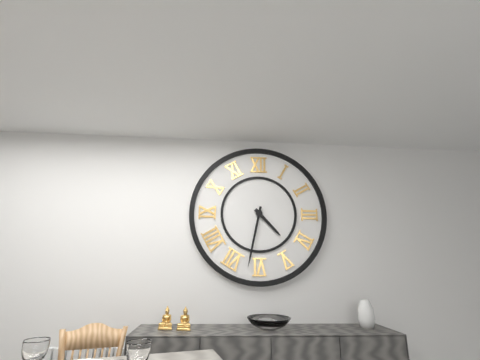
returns 4,32
